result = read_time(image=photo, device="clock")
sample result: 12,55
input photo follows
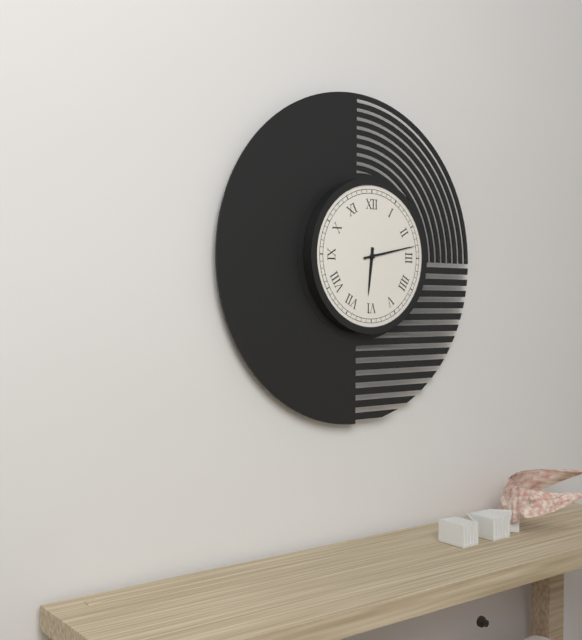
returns 6,13
